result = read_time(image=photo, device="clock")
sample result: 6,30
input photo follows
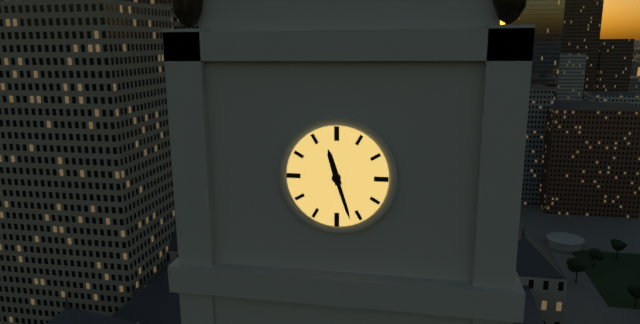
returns 11,27
